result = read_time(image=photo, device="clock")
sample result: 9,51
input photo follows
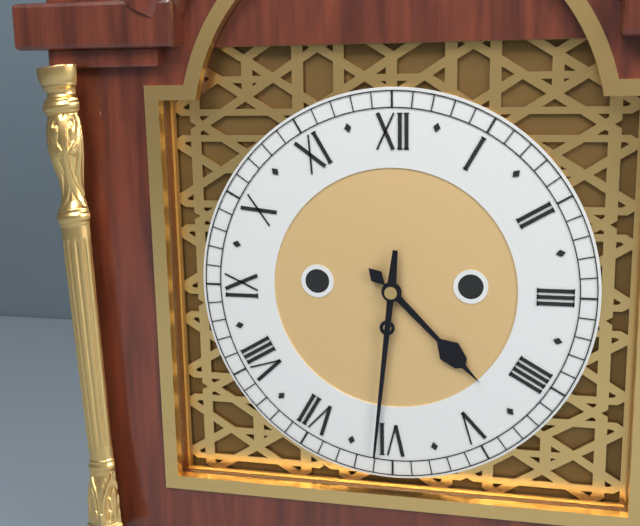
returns 4,31
